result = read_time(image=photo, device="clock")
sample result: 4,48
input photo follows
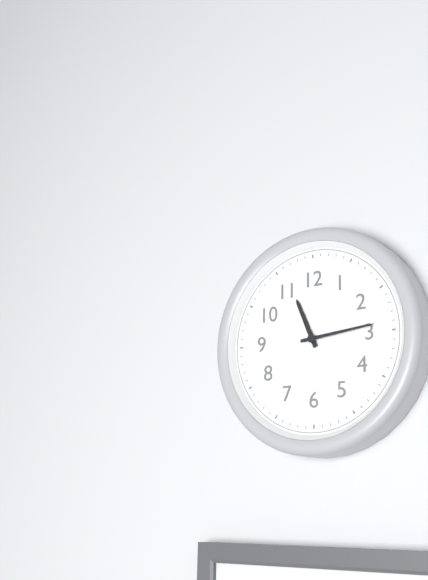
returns 11,14
